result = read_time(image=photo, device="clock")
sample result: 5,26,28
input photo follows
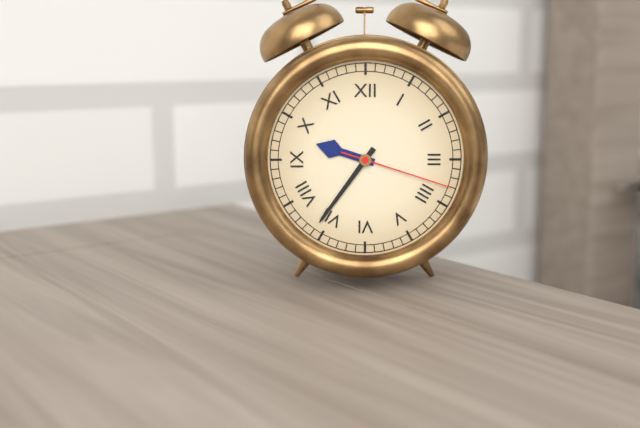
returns 9,36,18
